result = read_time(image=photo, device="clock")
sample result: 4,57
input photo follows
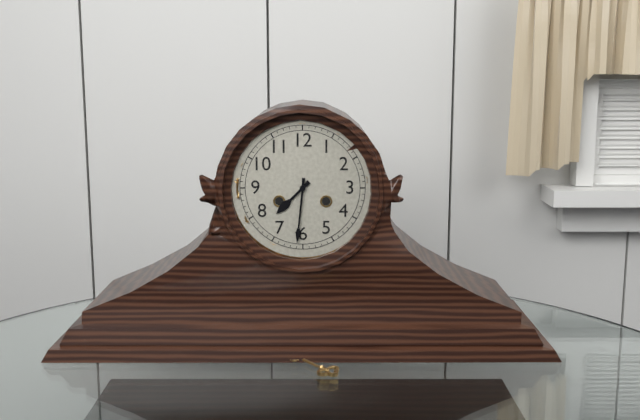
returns 7,31
